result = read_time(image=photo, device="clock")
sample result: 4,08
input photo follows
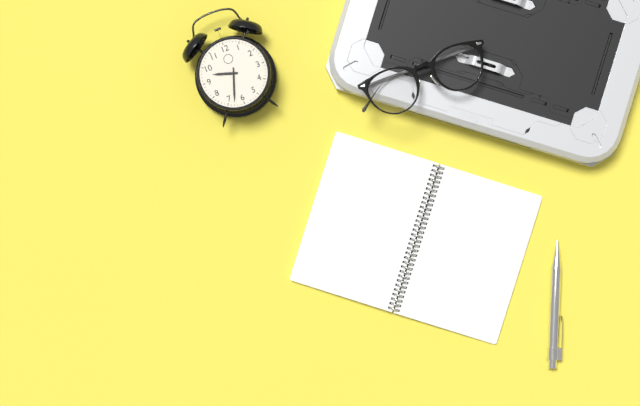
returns 9,33
